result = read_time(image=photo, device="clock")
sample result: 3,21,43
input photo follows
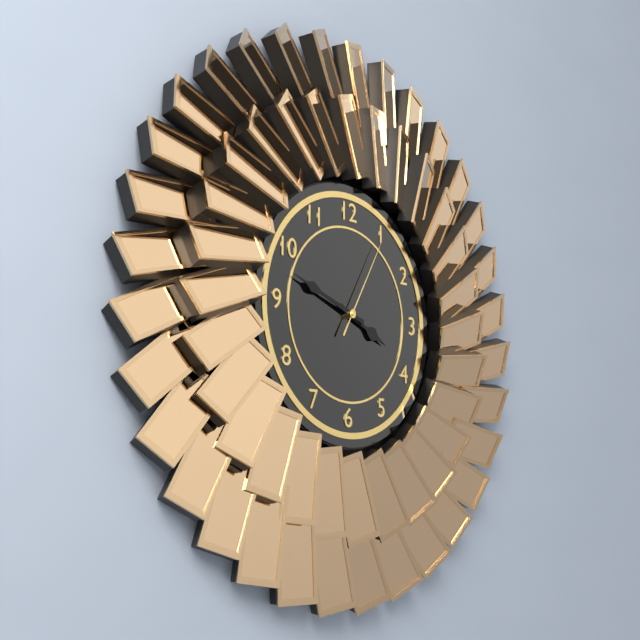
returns 3,48,05
